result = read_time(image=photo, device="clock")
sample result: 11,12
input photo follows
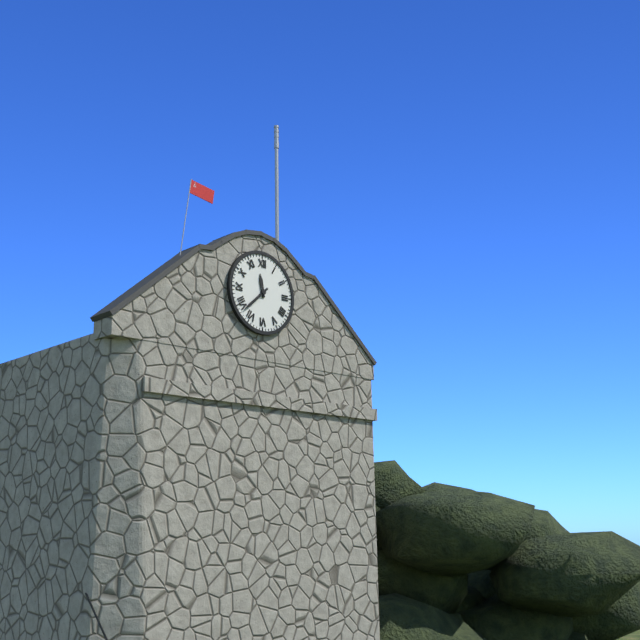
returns 11,38
